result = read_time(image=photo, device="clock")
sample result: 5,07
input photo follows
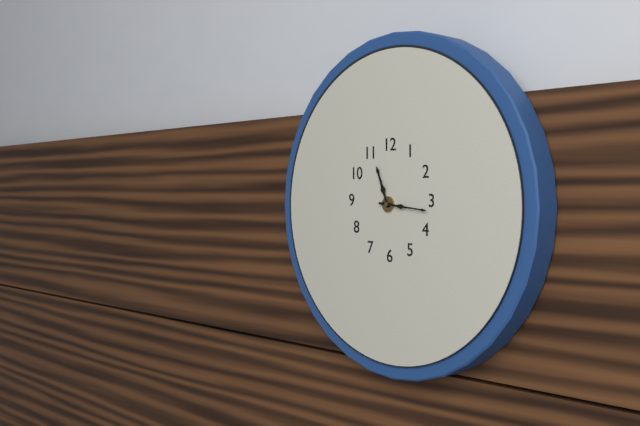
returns 11,16
